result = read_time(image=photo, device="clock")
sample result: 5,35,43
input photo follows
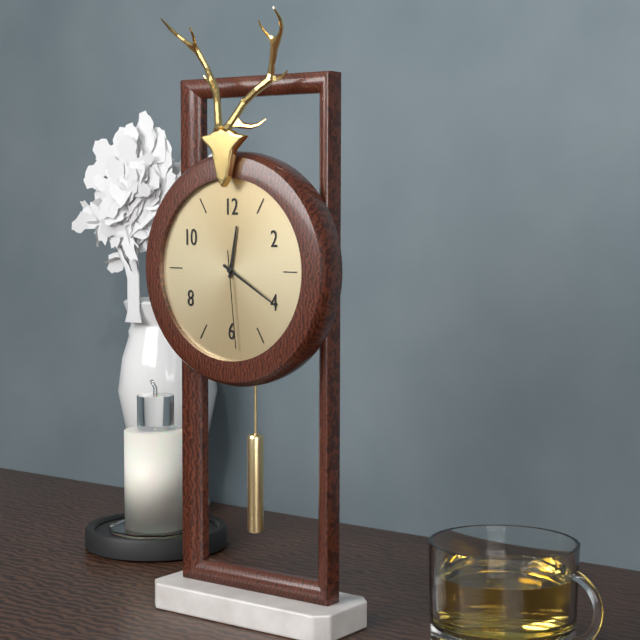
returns 12,20,29
